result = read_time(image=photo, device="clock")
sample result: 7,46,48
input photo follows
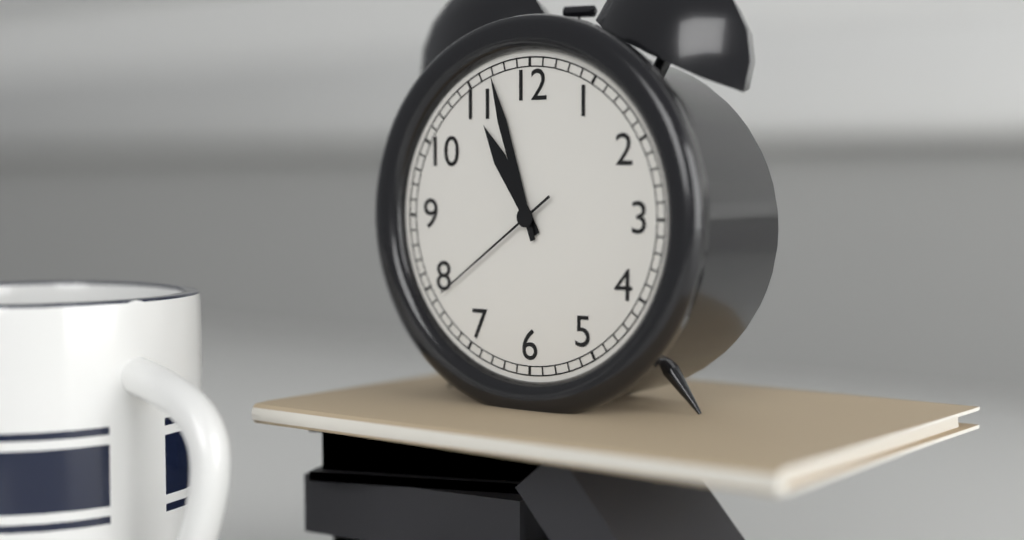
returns 10,57,39
